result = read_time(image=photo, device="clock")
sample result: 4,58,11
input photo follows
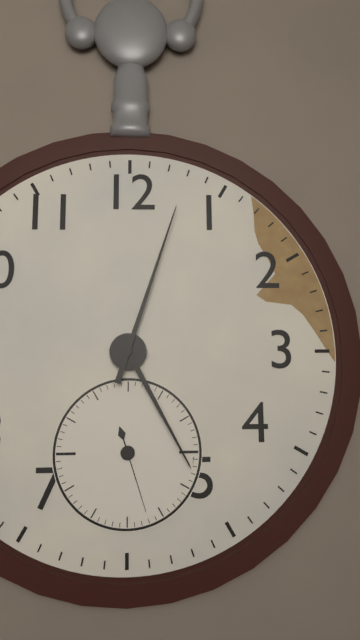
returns 5,03,27
